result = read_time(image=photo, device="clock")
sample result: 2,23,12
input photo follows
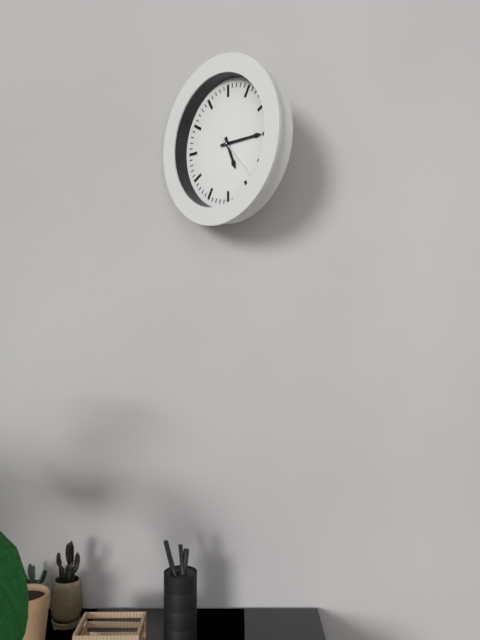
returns 5,15,23
